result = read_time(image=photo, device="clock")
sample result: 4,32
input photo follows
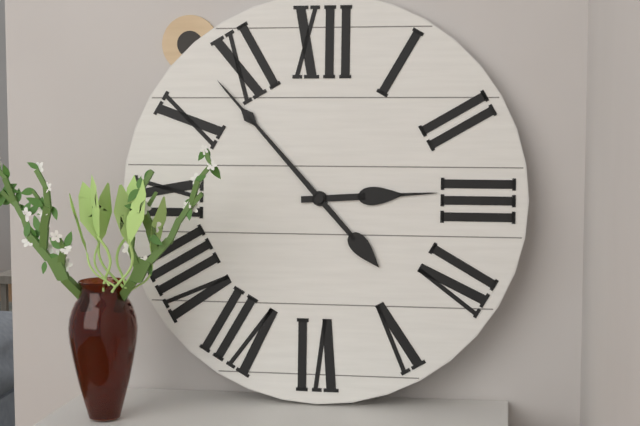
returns 2,53
